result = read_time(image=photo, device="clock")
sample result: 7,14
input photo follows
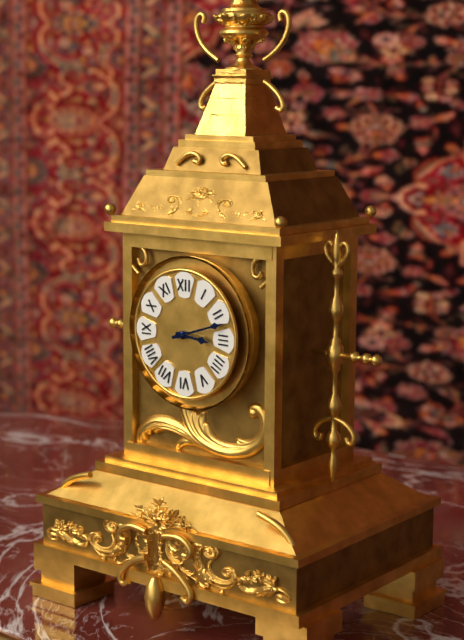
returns 3,12
